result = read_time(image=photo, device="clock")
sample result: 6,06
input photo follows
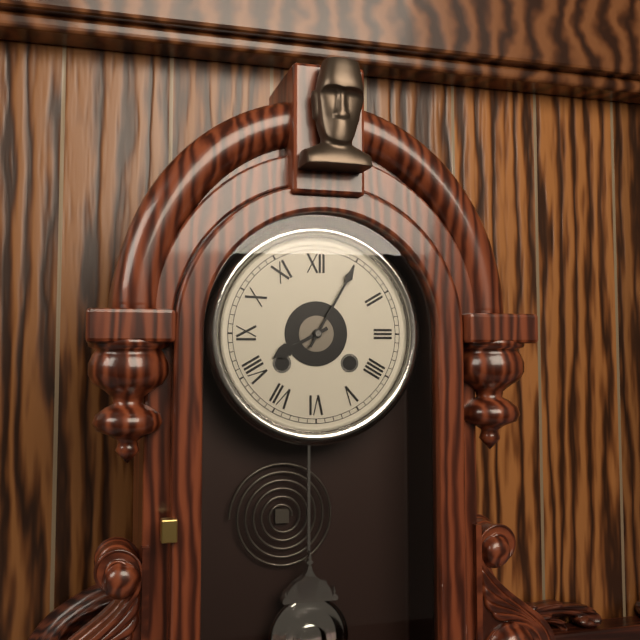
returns 8,05
